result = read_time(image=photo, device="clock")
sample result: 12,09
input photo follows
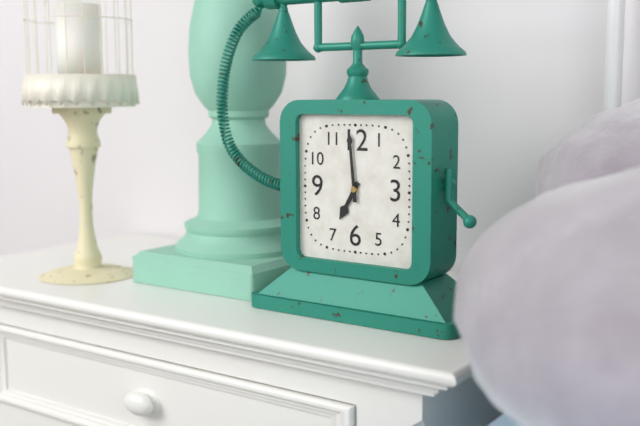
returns 6,59
